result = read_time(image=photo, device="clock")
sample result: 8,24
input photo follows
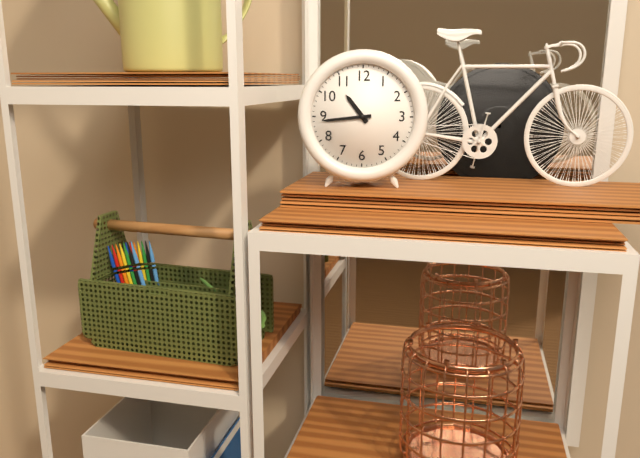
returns 10,44
